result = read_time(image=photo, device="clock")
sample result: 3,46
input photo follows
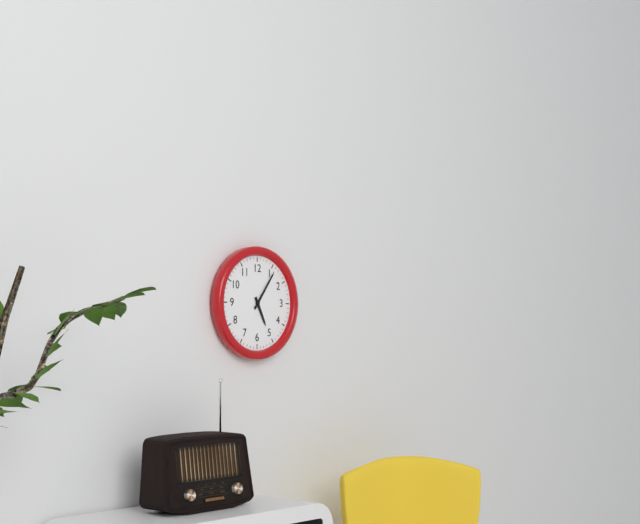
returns 5,06
